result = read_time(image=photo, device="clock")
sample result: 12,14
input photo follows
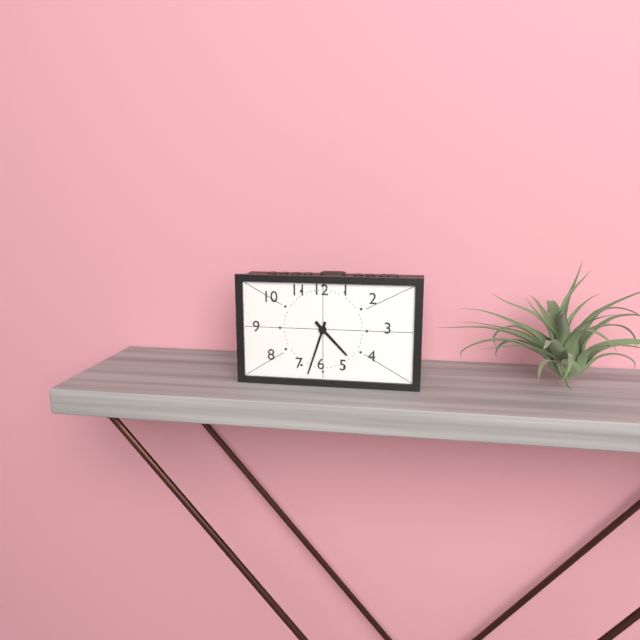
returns 4,33
